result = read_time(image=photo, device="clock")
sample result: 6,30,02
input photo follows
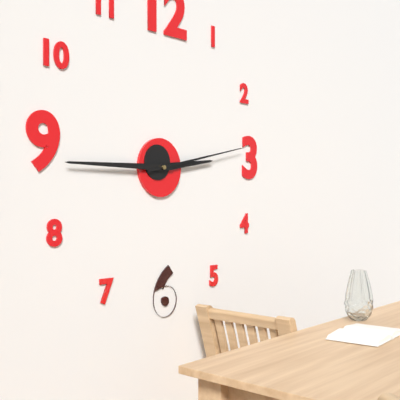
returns 2,45,13
